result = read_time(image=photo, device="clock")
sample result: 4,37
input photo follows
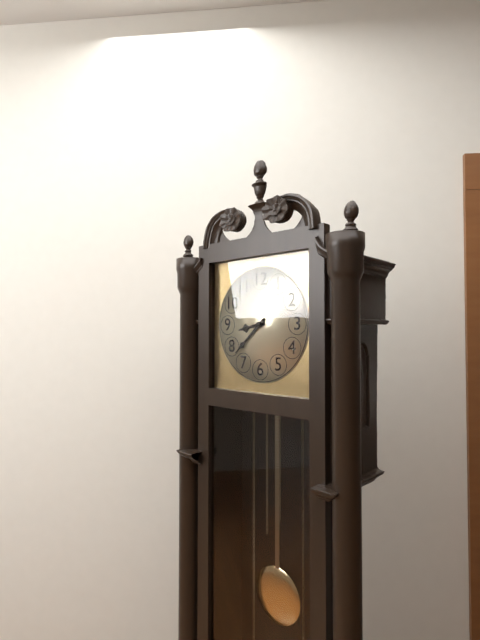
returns 8,38
